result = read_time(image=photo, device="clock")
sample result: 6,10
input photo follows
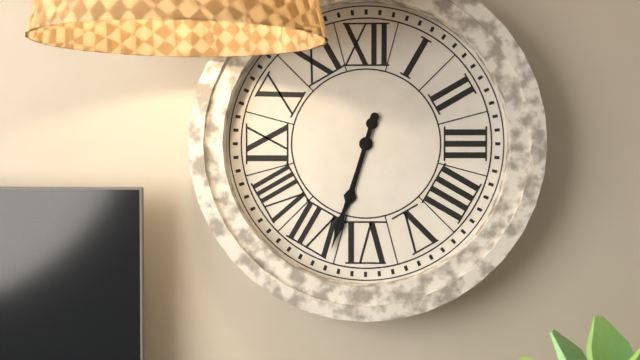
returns 6,33
